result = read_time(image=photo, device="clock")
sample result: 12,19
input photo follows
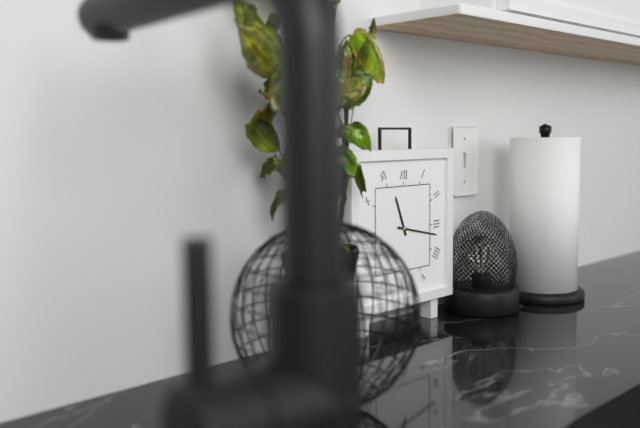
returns 11,17
